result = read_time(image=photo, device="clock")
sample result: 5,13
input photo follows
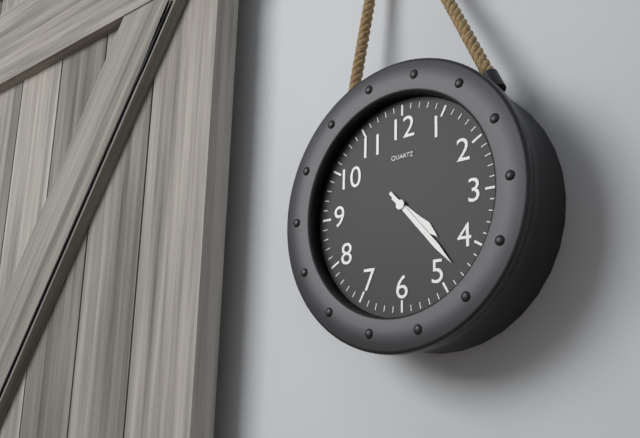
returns 4,23
